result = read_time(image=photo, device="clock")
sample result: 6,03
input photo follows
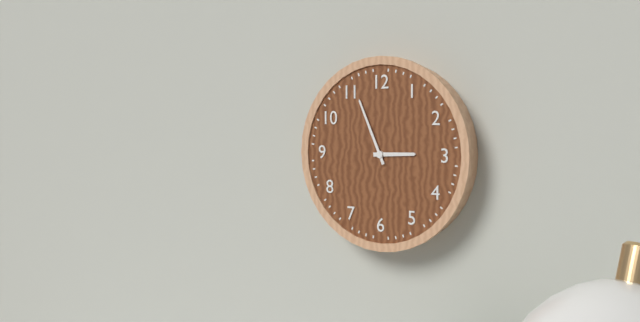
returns 2,56
